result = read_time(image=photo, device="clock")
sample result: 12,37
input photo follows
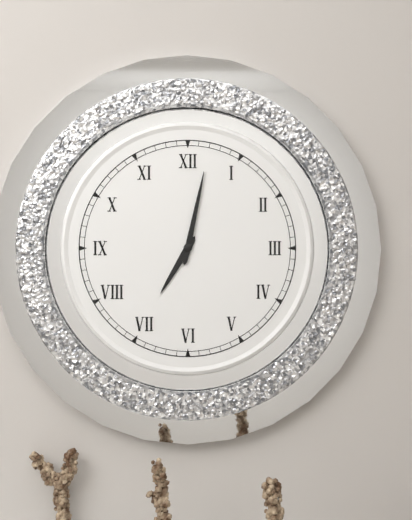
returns 7,02
